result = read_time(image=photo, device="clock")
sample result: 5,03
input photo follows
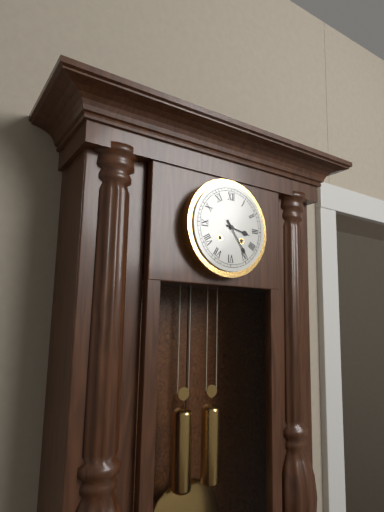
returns 3,24
